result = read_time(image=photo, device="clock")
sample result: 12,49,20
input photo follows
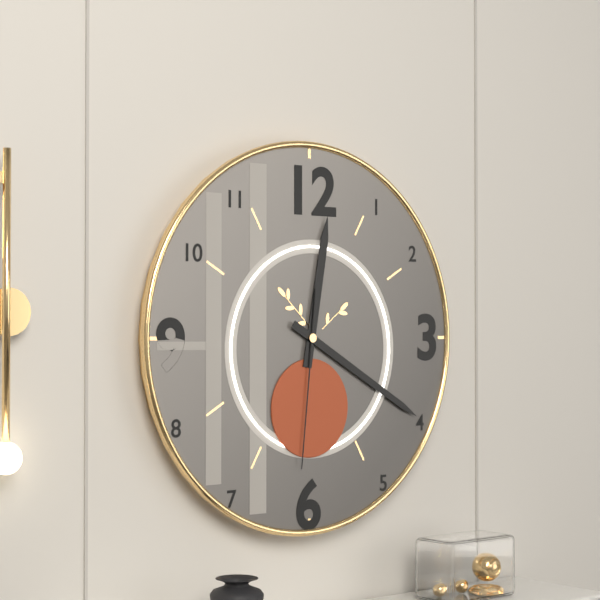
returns 12,20,31
